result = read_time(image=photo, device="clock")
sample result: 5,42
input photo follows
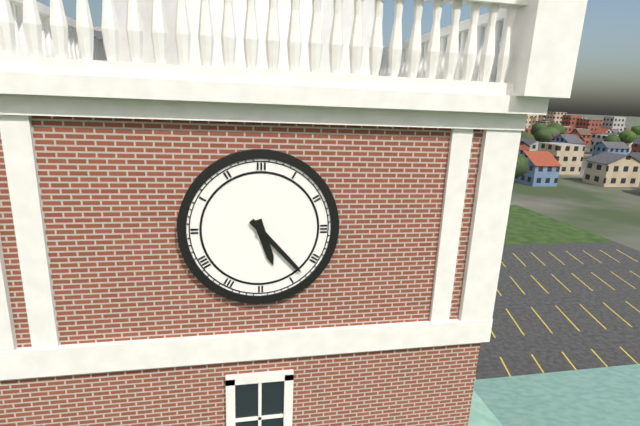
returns 5,23
